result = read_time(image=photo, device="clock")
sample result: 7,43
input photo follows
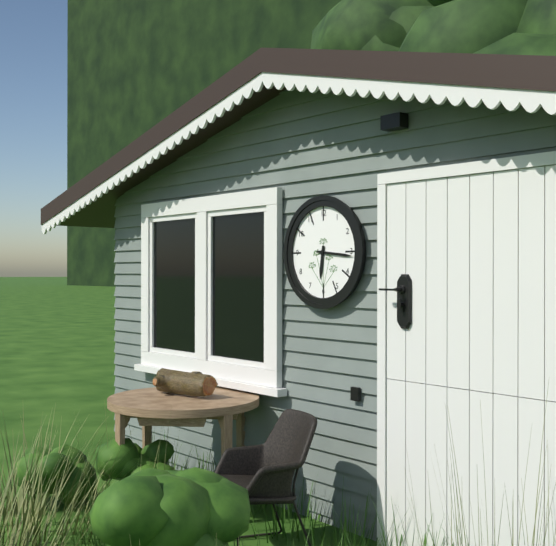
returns 6,16
